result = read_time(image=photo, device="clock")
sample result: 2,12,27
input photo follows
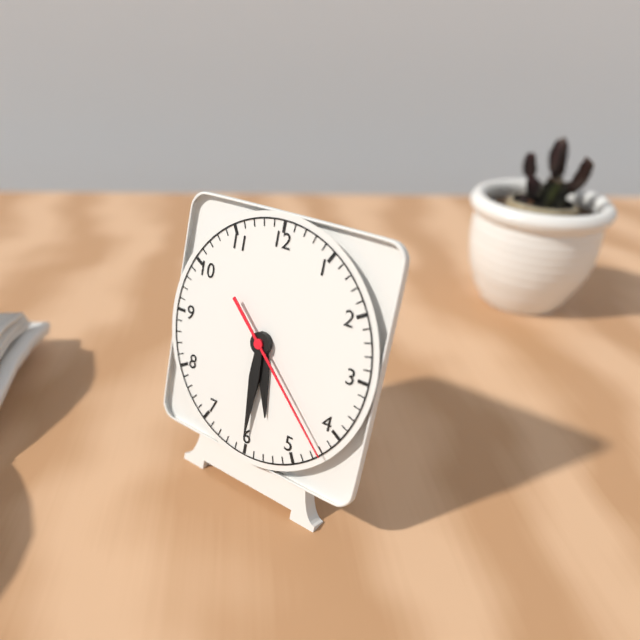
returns 5,30,22
